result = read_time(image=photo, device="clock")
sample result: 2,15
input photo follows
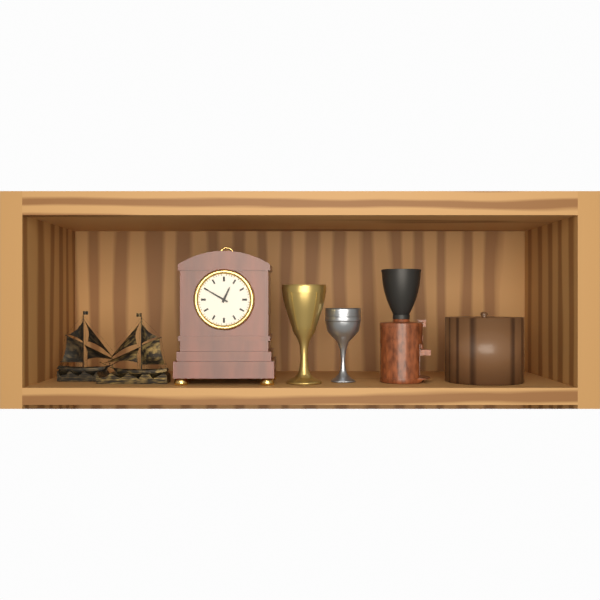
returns 12,50
